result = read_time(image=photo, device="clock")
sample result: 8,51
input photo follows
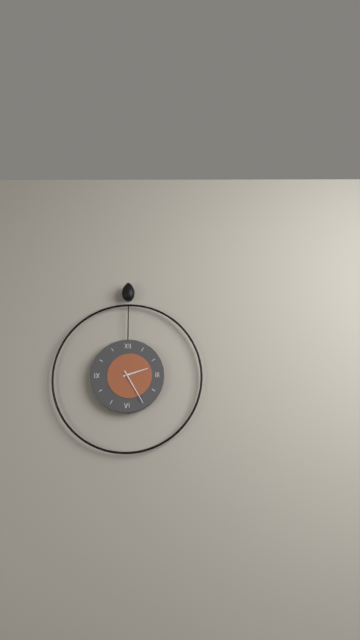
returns 2,25
